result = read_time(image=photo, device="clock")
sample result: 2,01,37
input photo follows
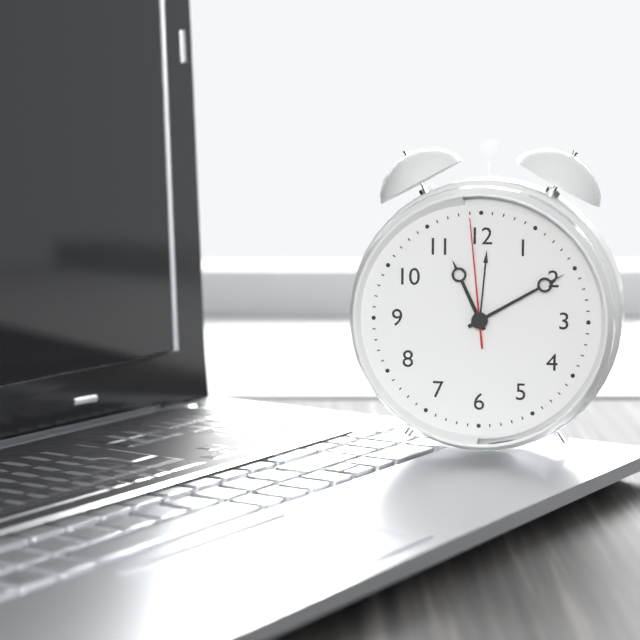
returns 11,10,59
